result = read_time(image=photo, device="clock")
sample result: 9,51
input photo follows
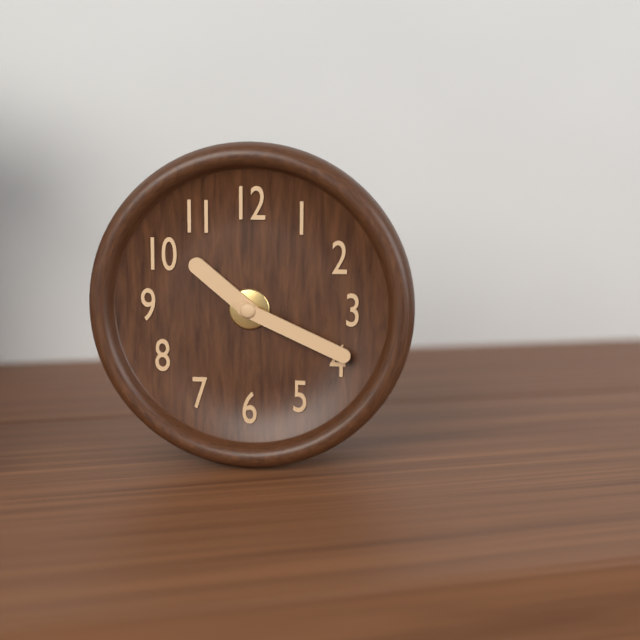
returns 10,19
